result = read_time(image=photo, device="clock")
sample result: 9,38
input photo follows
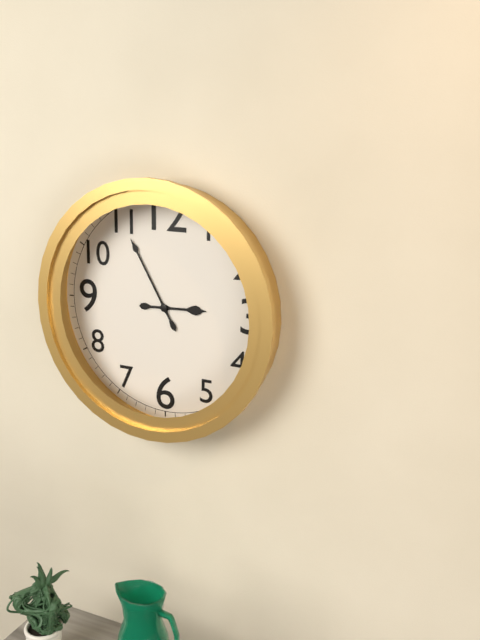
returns 2,55
